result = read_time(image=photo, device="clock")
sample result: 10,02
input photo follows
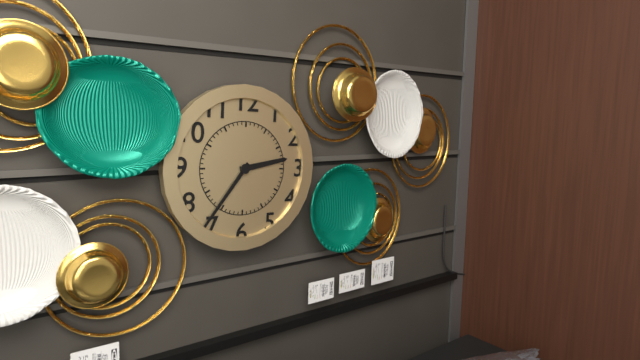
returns 2,36
